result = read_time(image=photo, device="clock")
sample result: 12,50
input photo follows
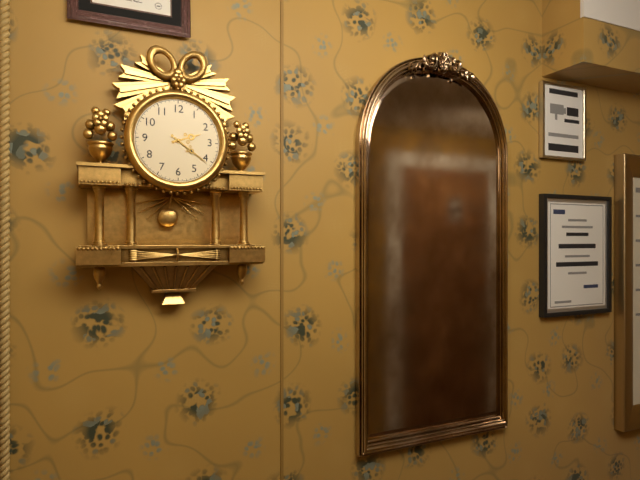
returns 2,21
